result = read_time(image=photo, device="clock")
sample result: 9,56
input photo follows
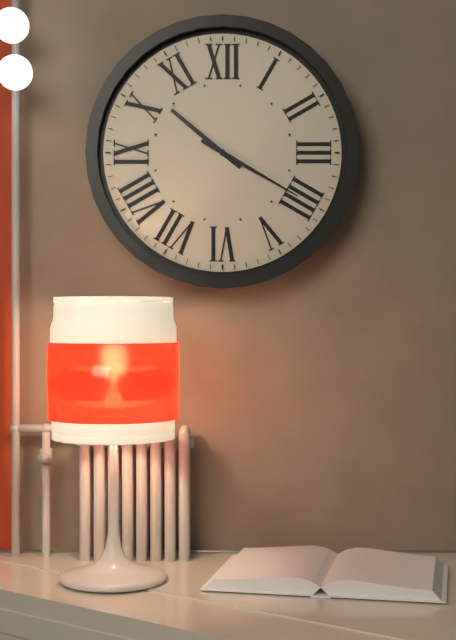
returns 10,20
